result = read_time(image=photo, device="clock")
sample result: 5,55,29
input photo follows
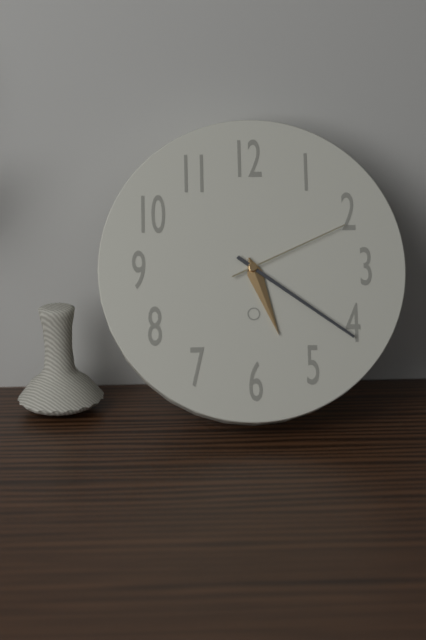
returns 5,21,11
